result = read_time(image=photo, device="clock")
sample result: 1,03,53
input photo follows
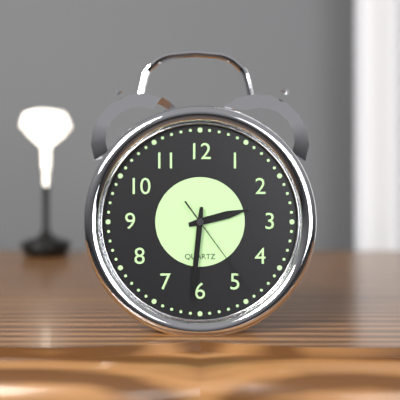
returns 2,31,24
